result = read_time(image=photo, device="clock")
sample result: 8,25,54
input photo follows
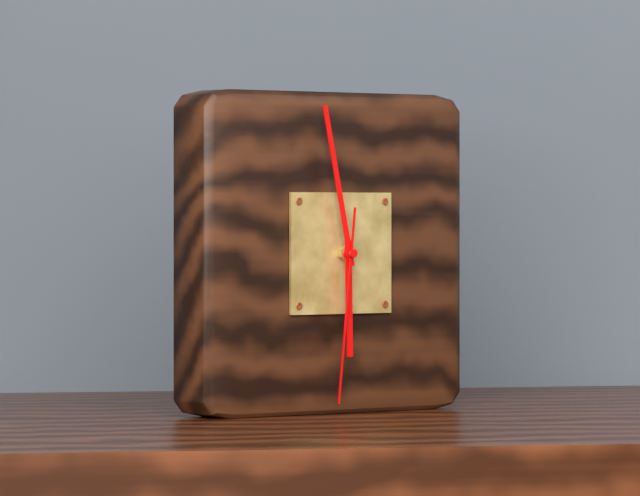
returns 5,58,31
